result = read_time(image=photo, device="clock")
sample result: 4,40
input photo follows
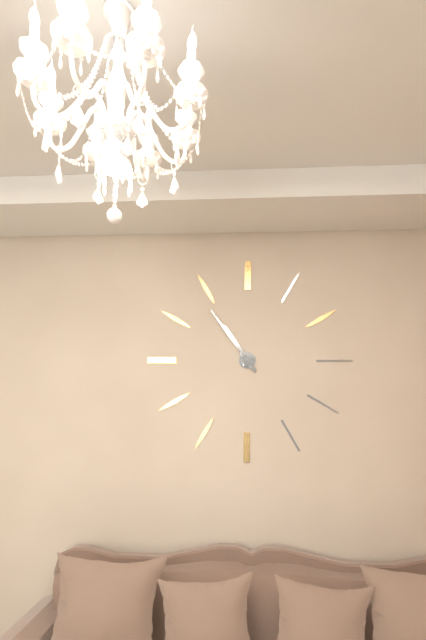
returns 10,54
